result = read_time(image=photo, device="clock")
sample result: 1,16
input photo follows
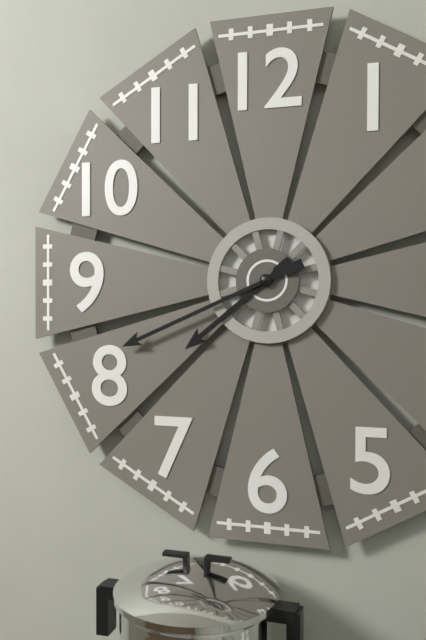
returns 7,41
